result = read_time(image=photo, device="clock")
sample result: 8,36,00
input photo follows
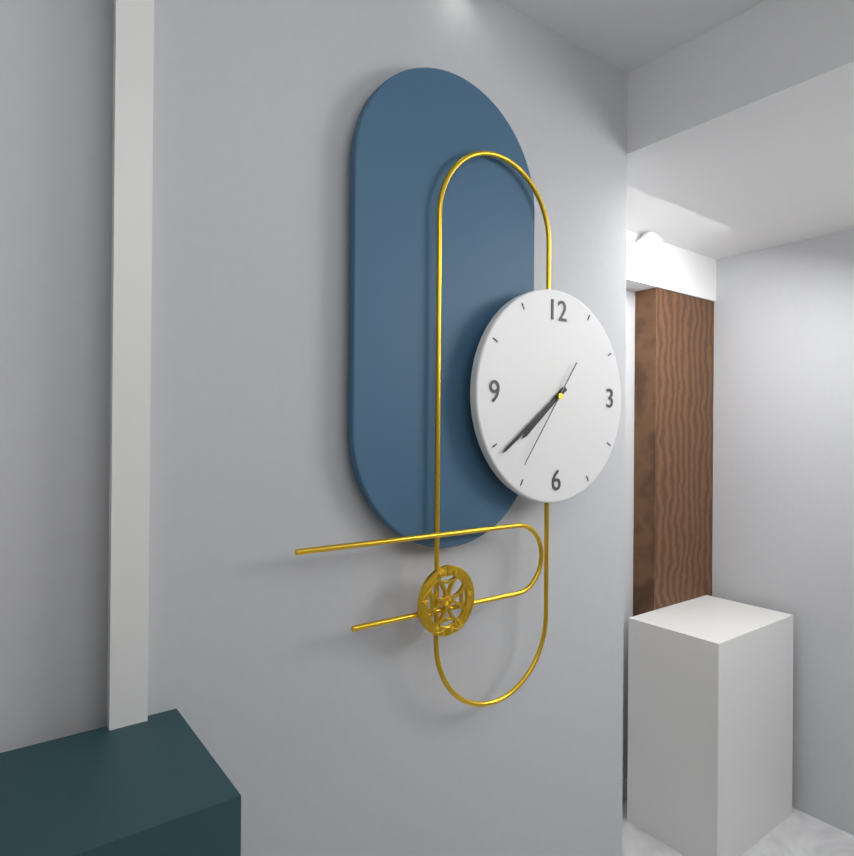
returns 7,39,36
